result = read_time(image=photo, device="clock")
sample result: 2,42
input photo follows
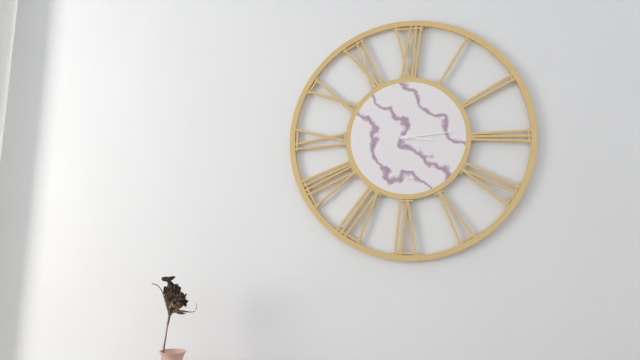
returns 3,14
